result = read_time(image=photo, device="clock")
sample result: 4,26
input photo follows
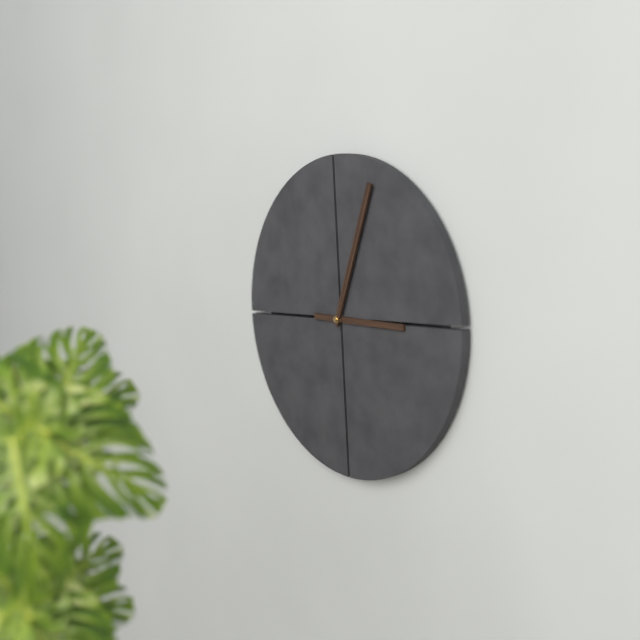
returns 3,04
